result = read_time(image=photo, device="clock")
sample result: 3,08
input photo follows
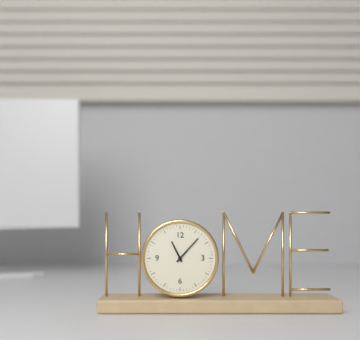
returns 11,07
